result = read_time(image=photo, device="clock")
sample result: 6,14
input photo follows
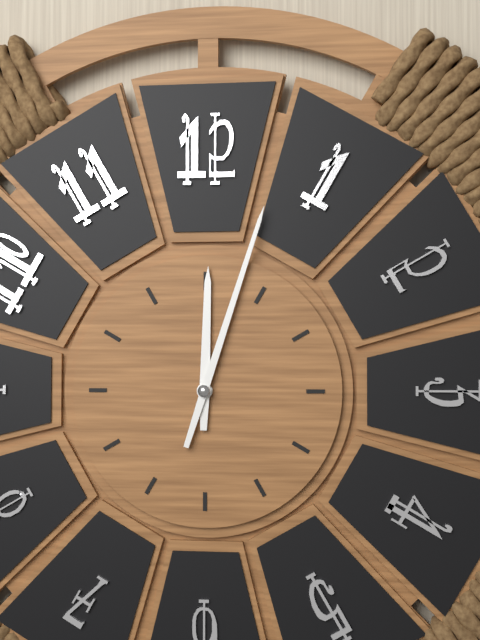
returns 12,03
